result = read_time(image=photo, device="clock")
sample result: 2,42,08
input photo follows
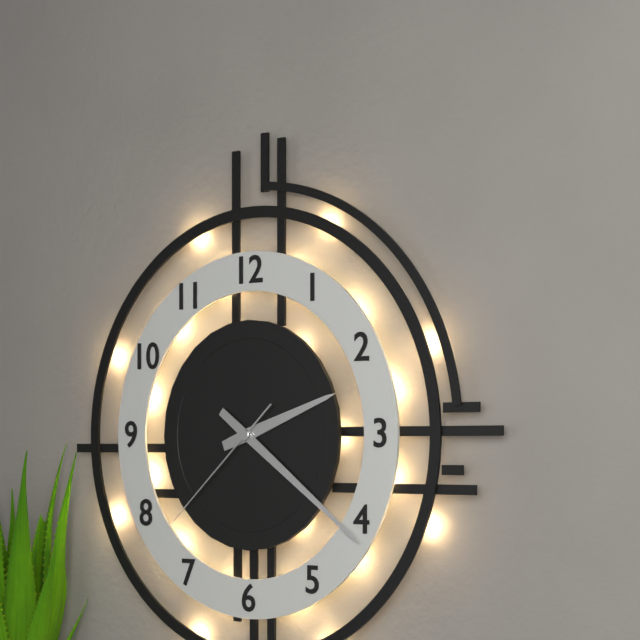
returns 2,21,38
